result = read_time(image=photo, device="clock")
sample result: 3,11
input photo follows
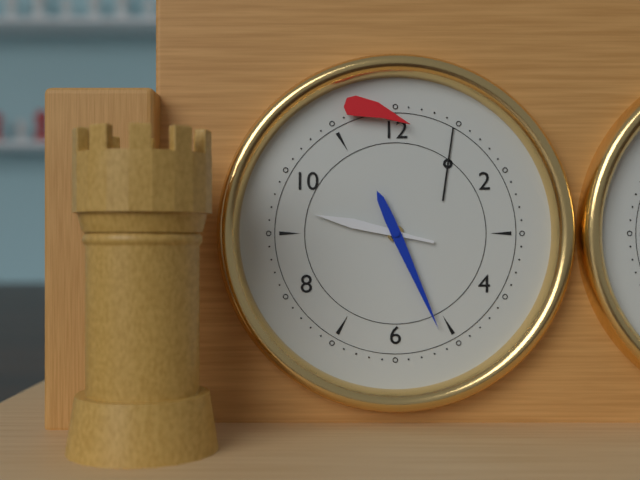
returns 9,26
